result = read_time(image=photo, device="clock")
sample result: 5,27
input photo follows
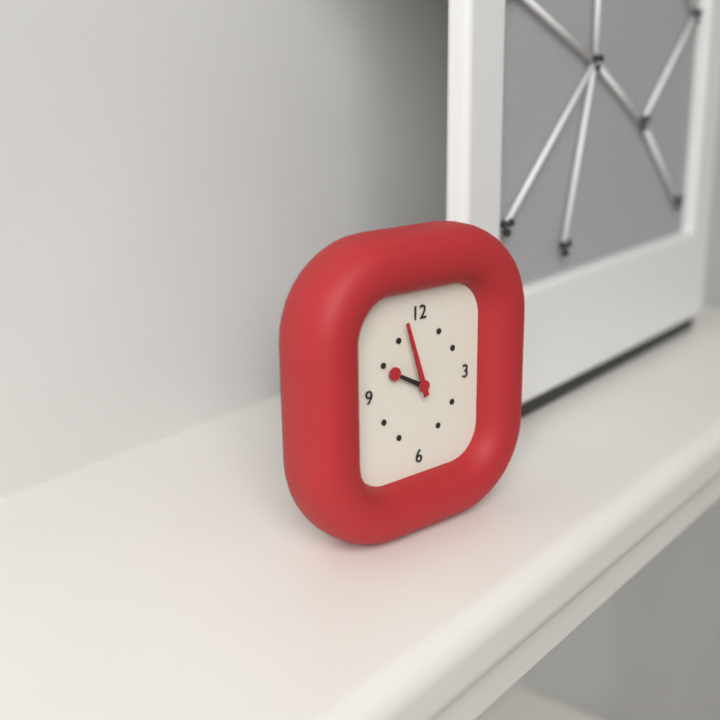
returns 9,57
